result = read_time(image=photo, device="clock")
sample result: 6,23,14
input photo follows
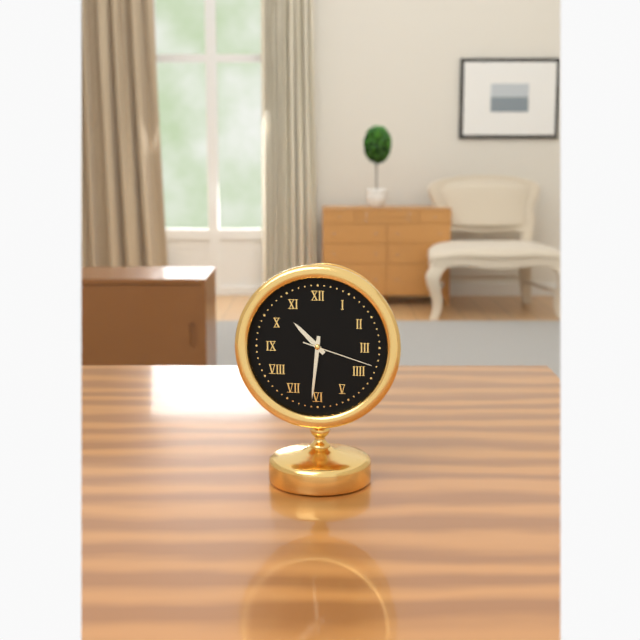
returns 10,31,18
